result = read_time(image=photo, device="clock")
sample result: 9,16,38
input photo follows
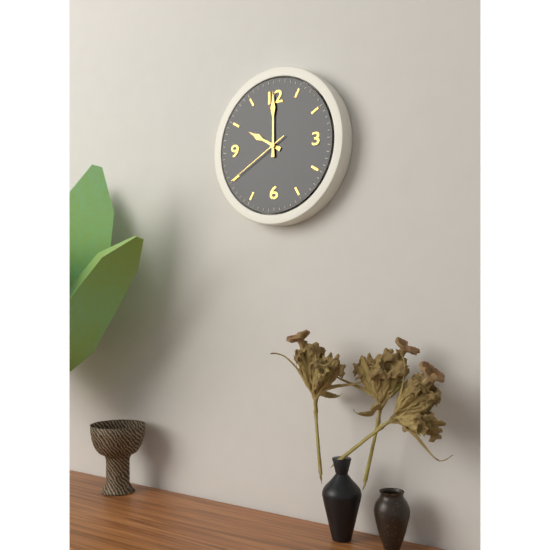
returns 10,00,40
